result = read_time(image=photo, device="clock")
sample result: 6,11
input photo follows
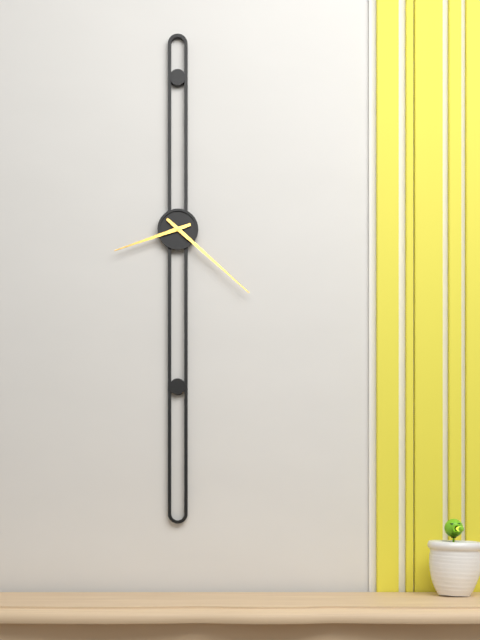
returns 8,22
